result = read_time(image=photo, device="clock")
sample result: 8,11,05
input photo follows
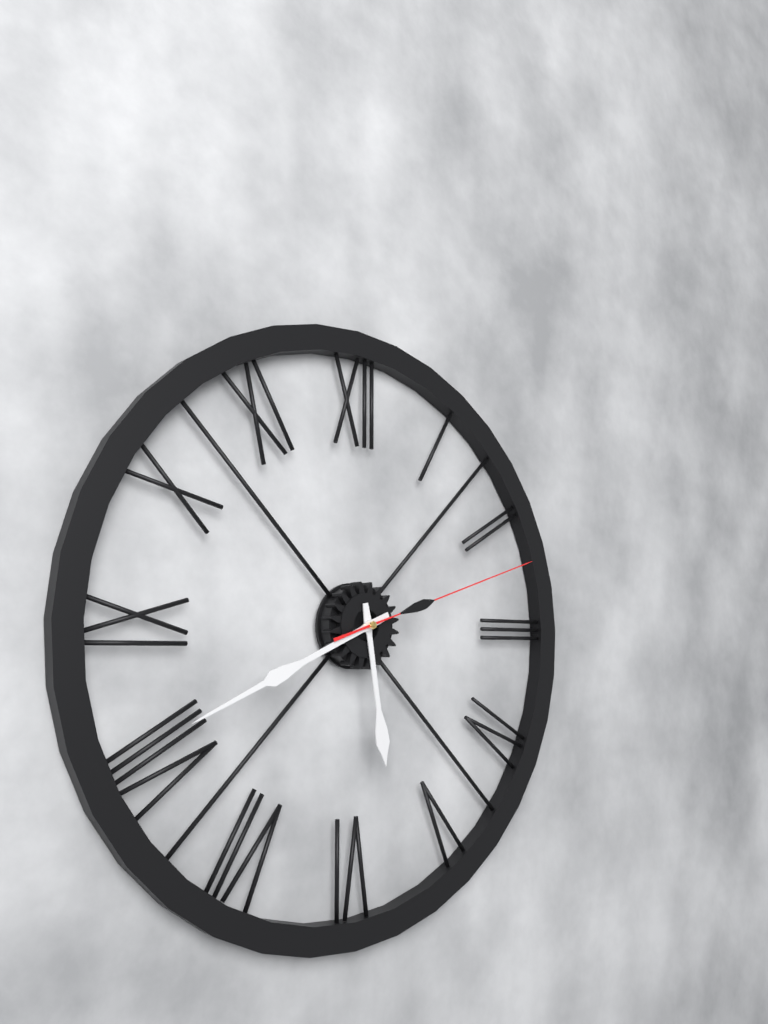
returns 5,41,12
